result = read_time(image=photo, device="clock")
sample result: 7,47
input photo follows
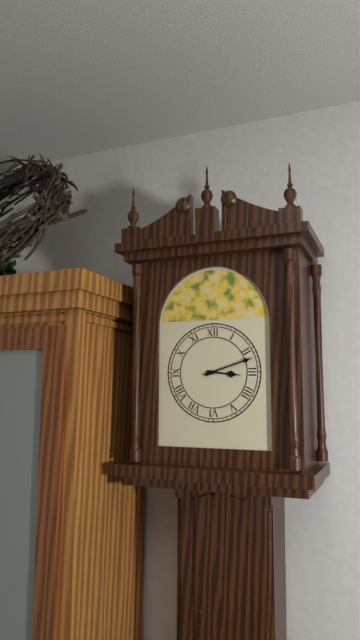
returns 3,12
